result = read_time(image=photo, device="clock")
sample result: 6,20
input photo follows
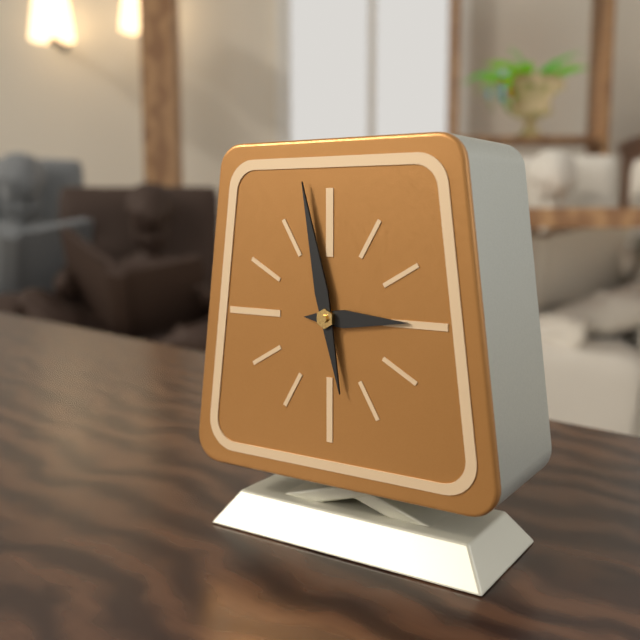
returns 2,58
